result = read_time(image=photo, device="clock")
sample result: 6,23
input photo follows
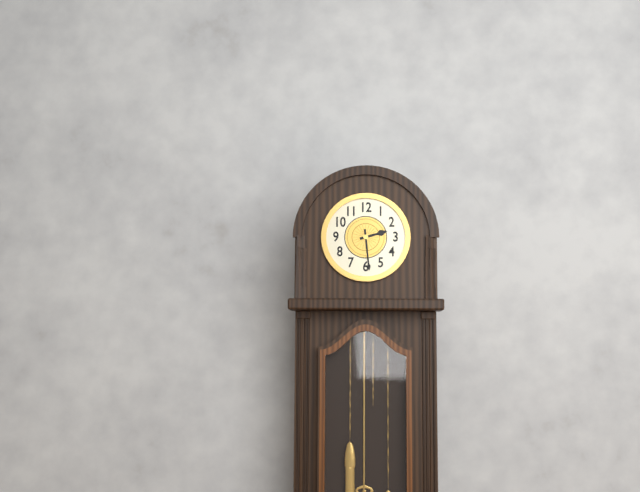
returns 2,29
